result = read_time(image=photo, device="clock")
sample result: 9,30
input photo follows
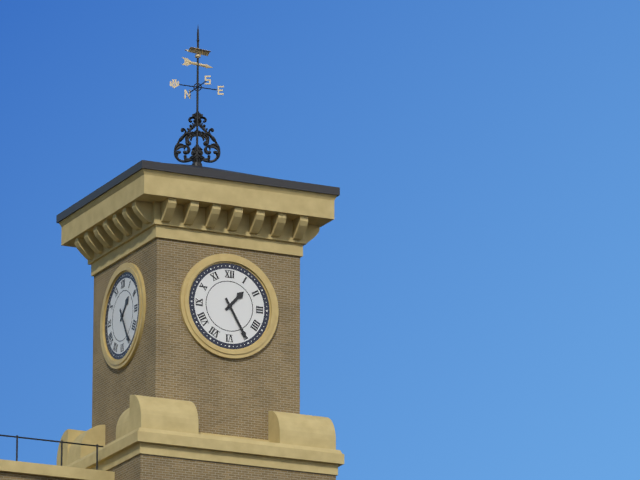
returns 1,25
